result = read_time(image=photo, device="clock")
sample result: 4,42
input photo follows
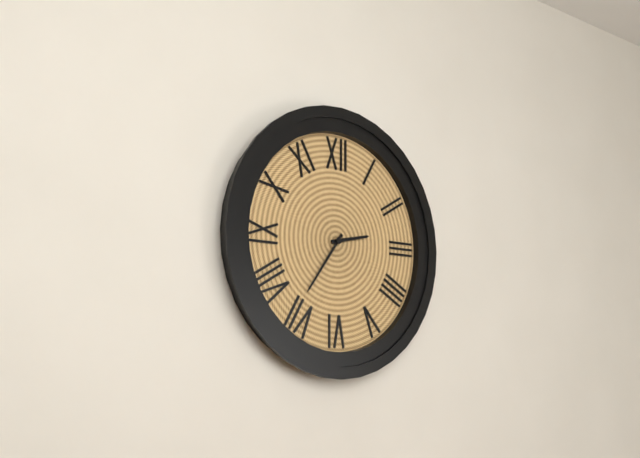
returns 2,36
